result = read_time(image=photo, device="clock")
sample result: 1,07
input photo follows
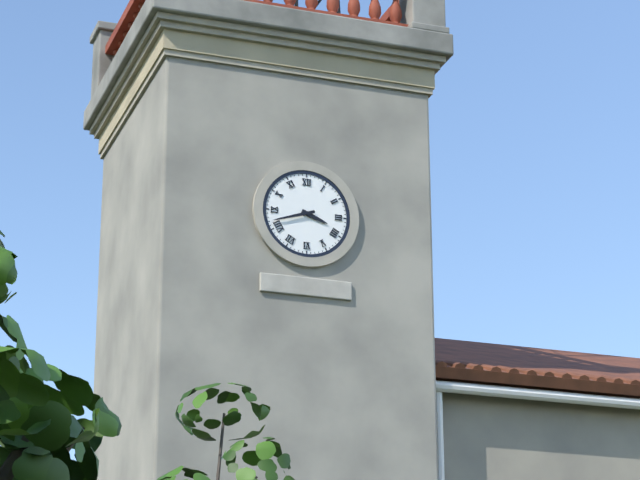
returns 3,42
